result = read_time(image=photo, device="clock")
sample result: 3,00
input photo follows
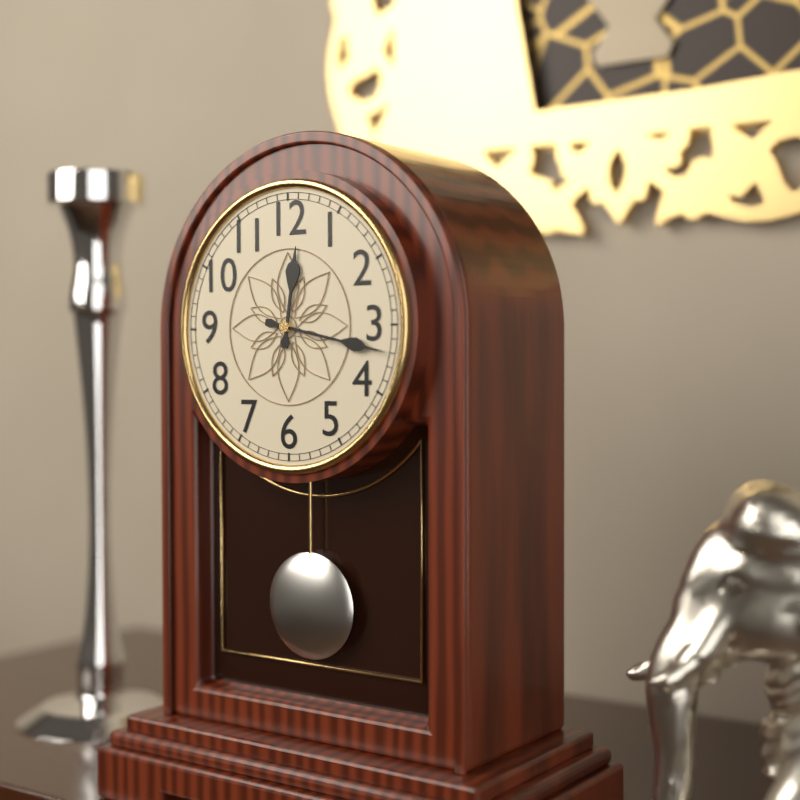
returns 12,17
